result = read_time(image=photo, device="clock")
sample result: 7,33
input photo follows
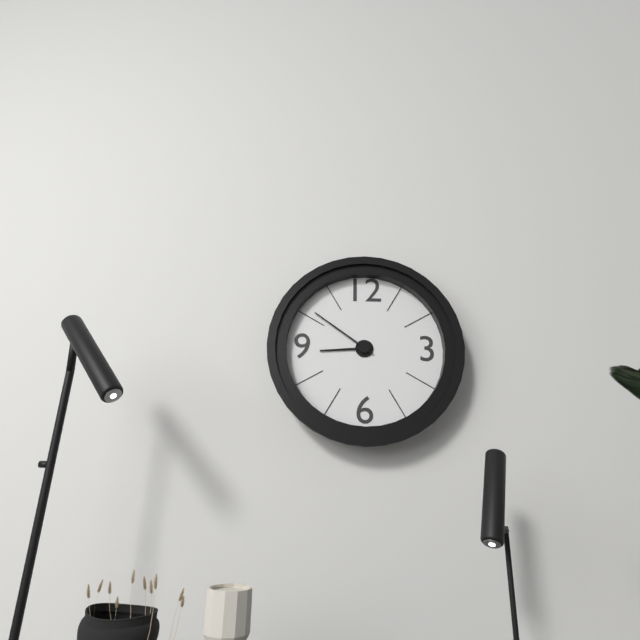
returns 8,51
